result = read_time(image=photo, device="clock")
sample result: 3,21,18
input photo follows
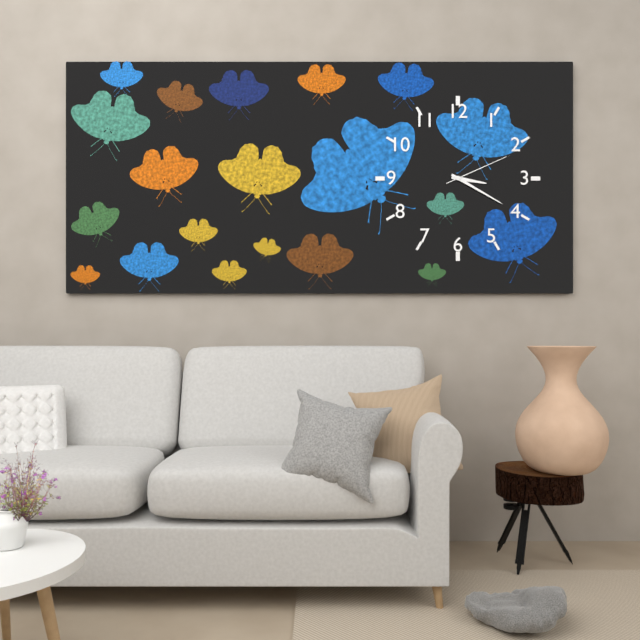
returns 3,20,11
